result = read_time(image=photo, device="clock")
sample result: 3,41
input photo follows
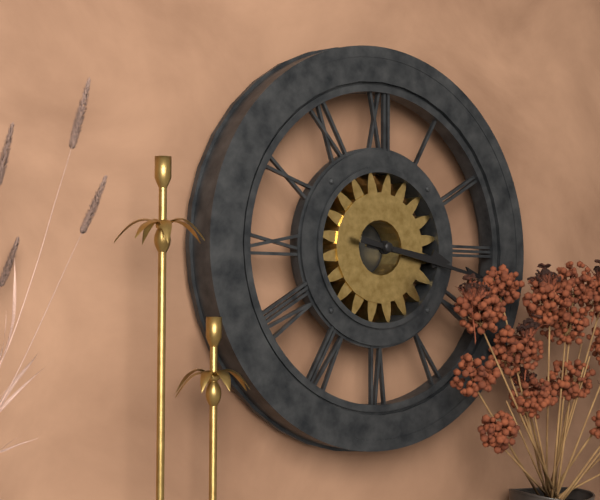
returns 3,17
